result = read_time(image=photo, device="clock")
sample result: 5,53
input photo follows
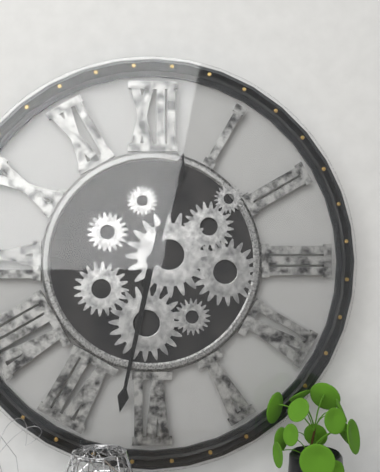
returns 12,32
